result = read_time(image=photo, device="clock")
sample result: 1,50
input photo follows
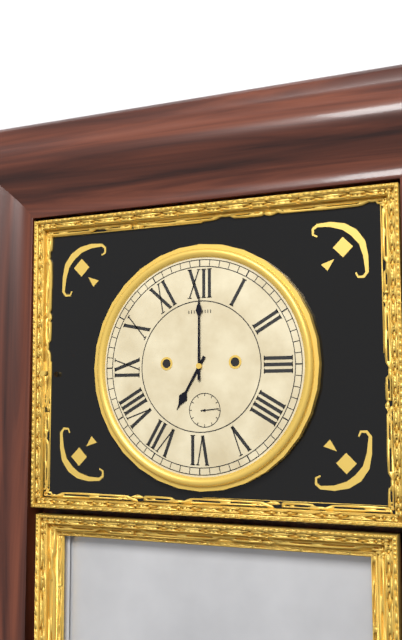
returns 7,00
